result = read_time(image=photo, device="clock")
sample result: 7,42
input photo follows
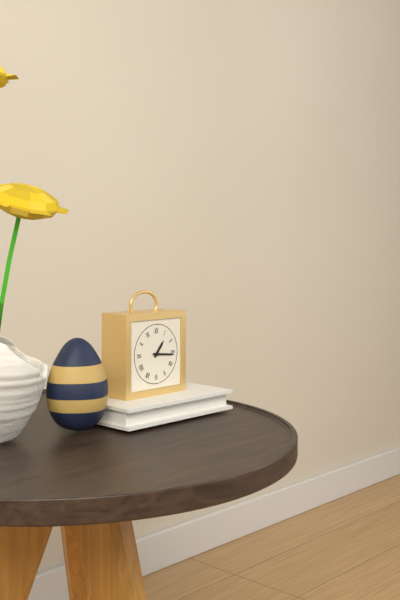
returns 1,16
